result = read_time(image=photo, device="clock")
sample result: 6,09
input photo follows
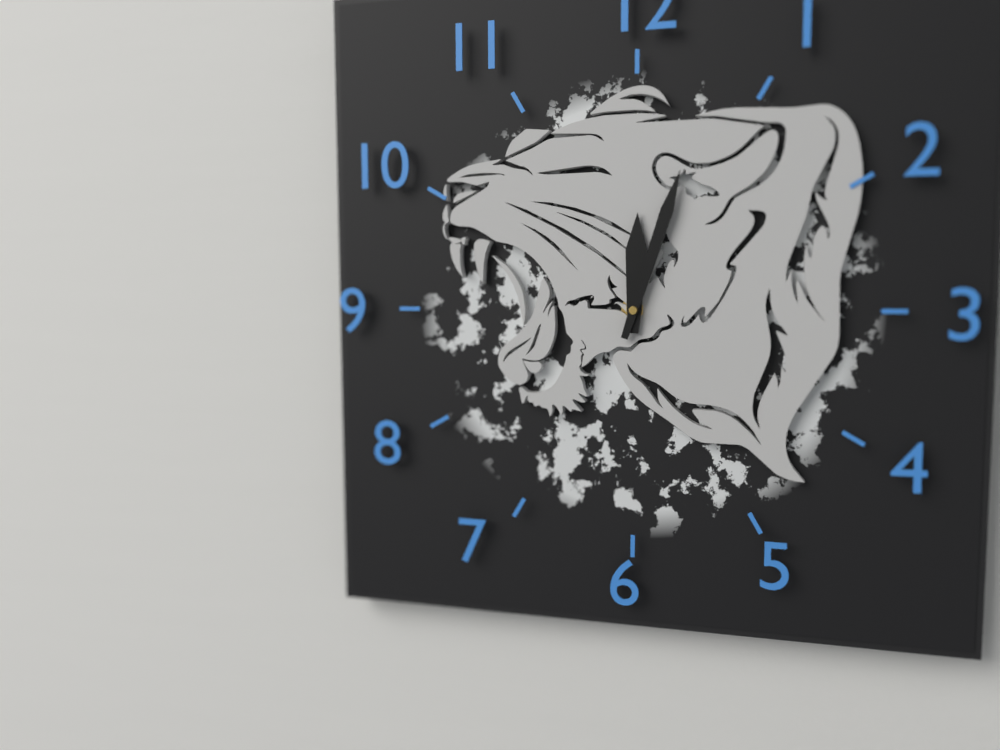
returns 12,03
